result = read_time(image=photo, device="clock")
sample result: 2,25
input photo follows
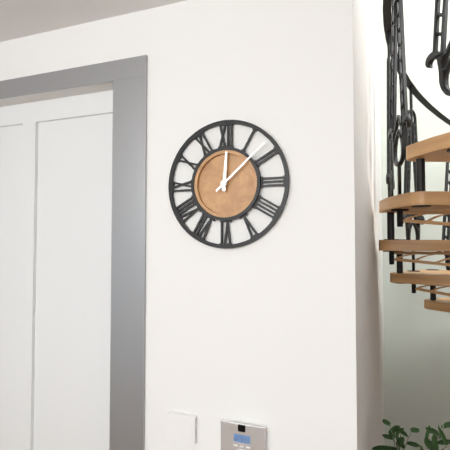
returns 12,08
